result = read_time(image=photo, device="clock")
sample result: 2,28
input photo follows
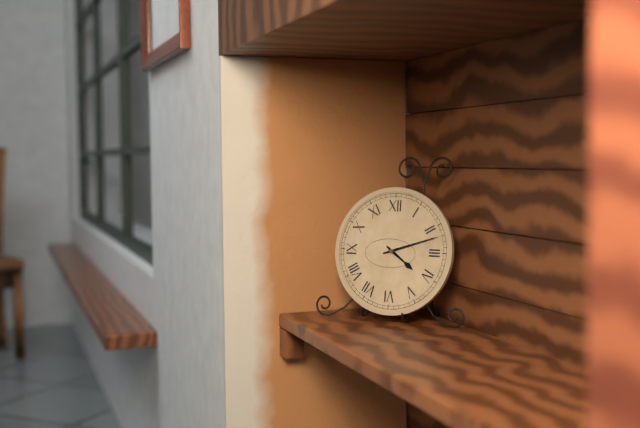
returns 4,12
